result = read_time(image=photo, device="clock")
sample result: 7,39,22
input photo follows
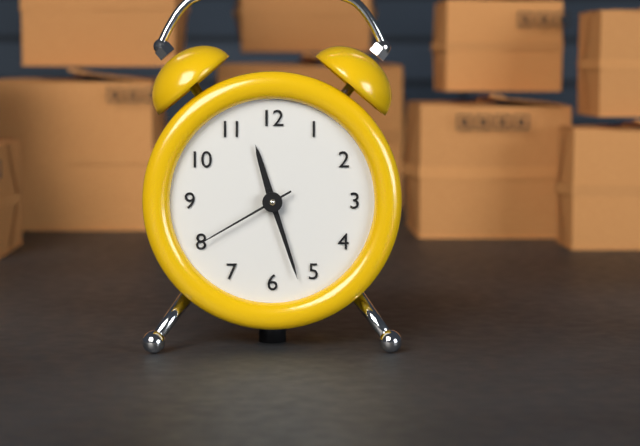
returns 11,27,40
